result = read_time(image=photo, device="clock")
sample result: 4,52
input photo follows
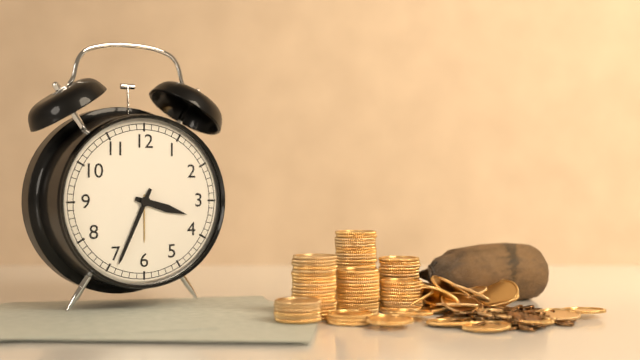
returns 3,34
